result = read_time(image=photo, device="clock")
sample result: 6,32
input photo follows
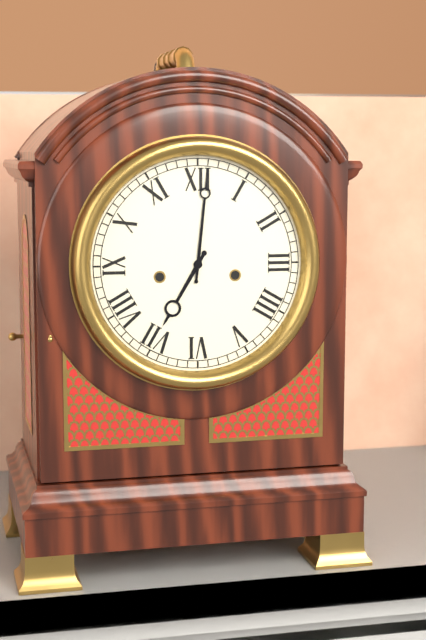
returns 7,01
